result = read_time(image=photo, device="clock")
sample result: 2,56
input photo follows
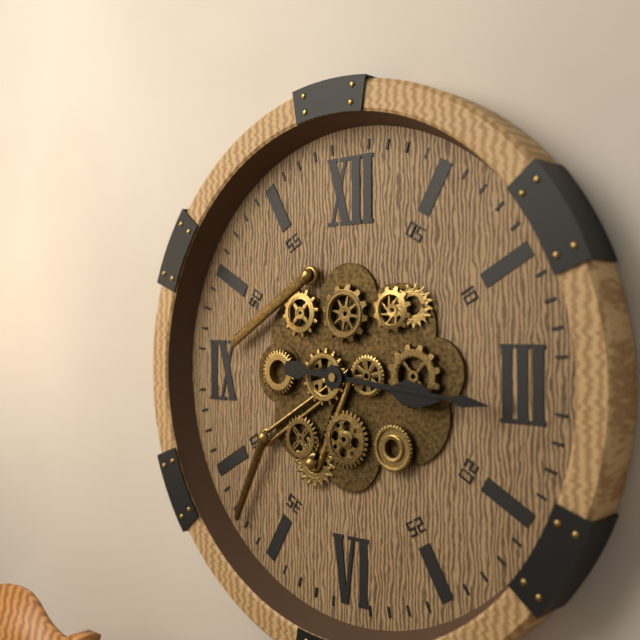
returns 3,16
